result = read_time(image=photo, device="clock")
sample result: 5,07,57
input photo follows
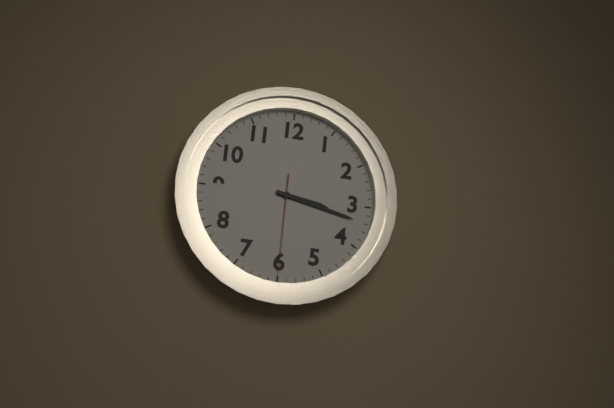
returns 3,17,30
